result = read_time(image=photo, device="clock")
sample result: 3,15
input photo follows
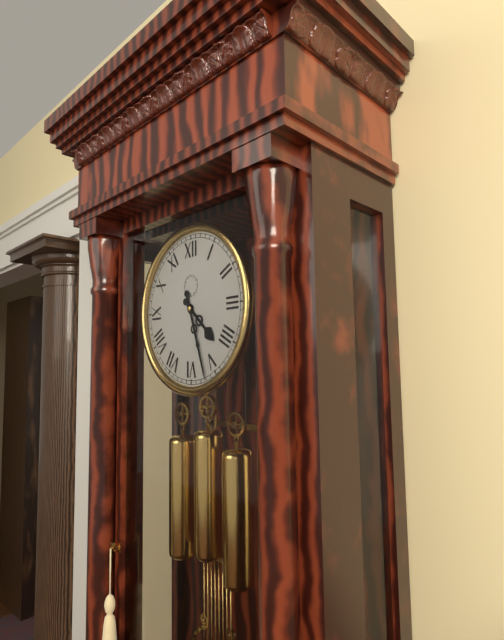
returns 4,27
